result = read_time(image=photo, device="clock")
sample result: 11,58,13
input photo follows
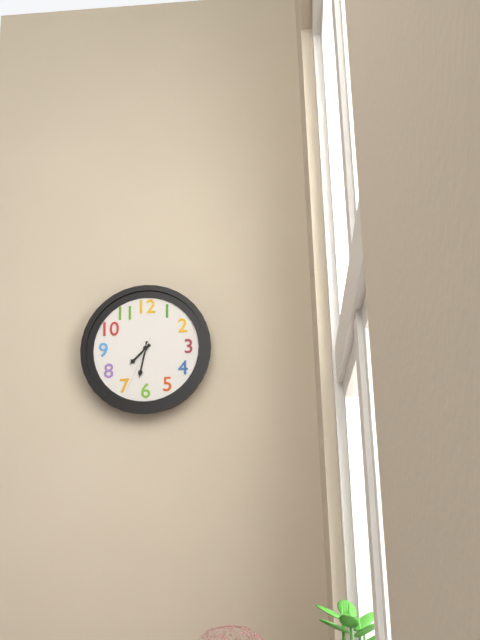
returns 7,32,34
